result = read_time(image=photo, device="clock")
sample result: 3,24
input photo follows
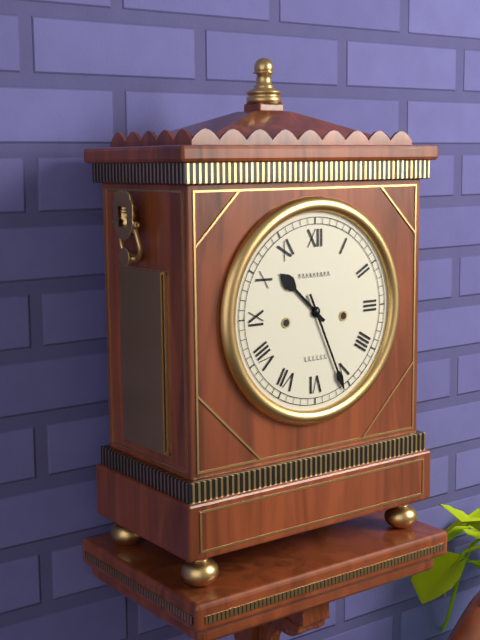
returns 10,26
